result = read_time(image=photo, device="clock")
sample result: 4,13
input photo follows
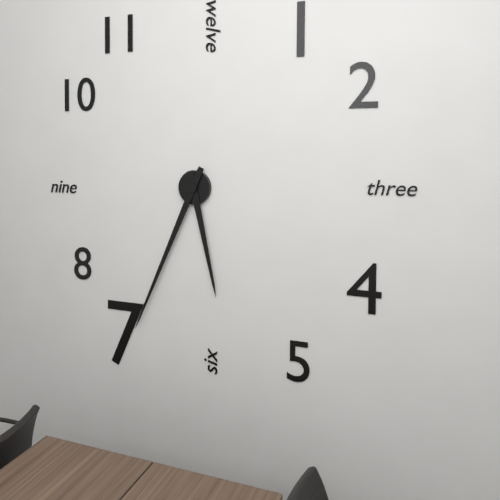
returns 5,34
